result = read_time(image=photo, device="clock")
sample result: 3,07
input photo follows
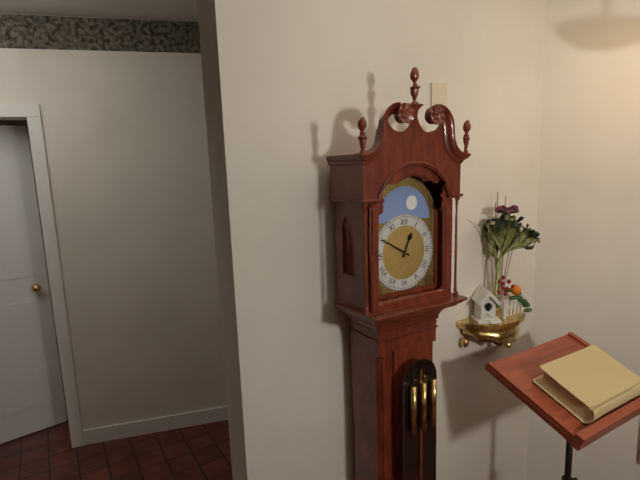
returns 12,50
